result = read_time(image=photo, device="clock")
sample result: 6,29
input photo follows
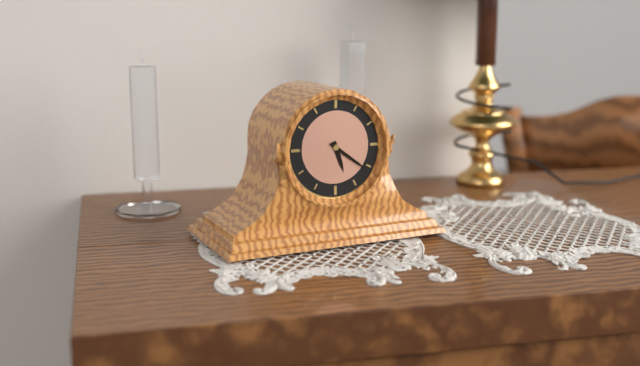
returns 5,21
